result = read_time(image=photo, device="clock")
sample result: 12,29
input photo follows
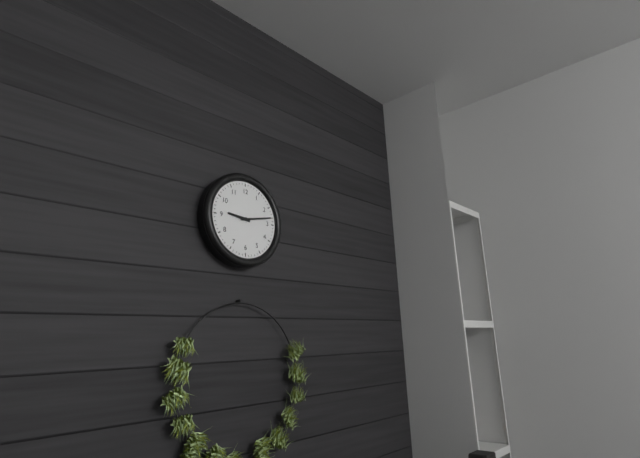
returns 9,13
